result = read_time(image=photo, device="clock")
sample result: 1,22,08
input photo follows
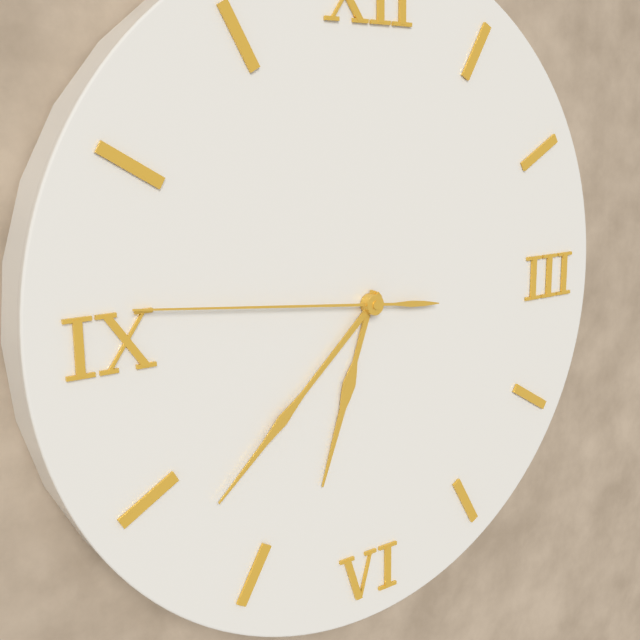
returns 6,38,46
